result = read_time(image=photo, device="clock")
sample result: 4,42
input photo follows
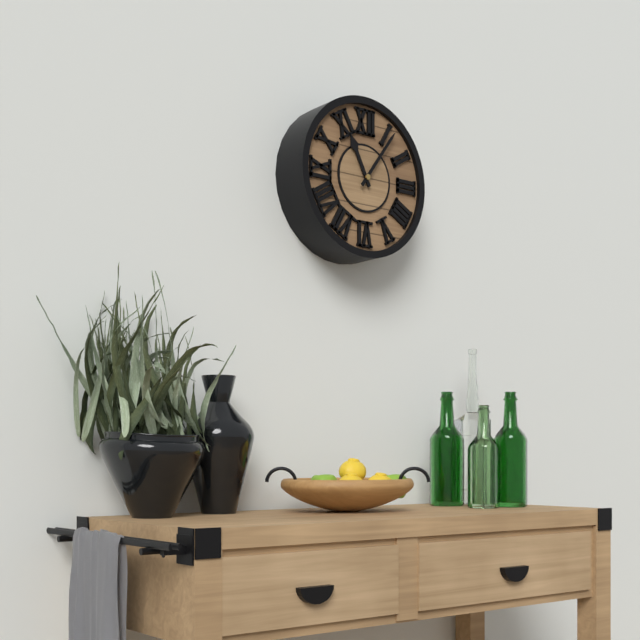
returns 11,06
